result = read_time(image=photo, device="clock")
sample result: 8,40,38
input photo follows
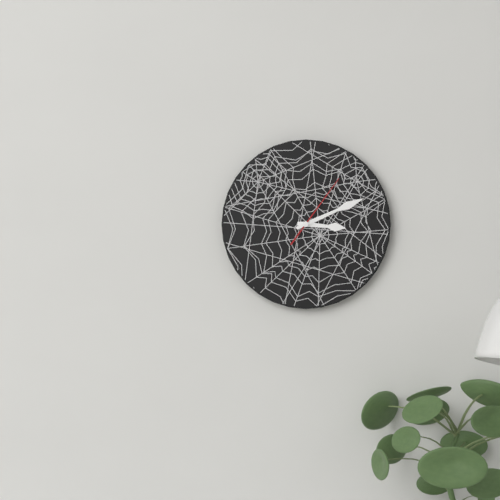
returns 3,11,06
